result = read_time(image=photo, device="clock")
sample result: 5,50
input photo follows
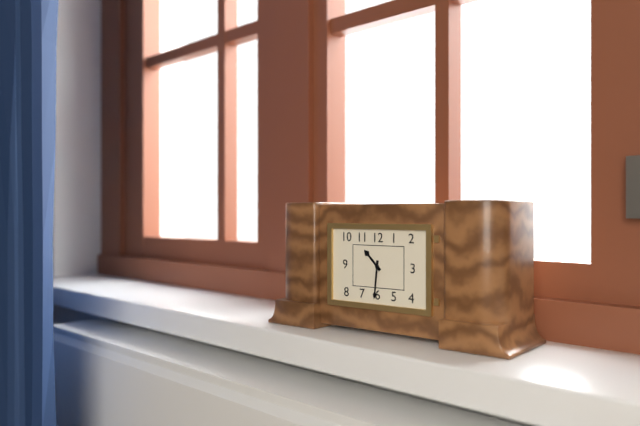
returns 10,31
